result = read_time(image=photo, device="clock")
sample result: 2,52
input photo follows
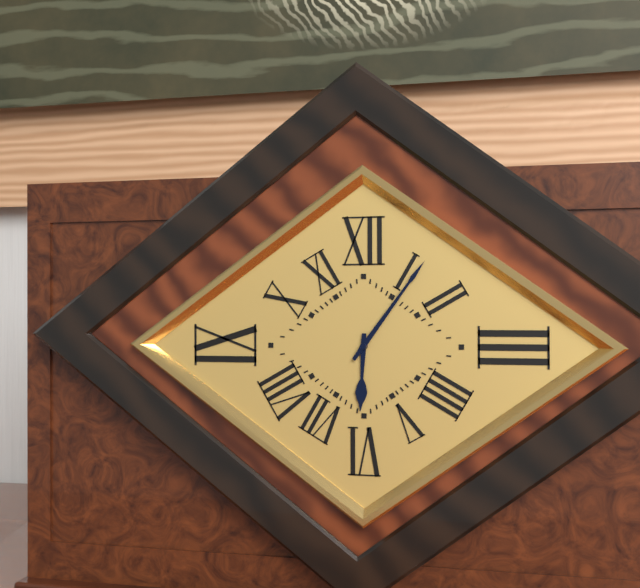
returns 6,06
